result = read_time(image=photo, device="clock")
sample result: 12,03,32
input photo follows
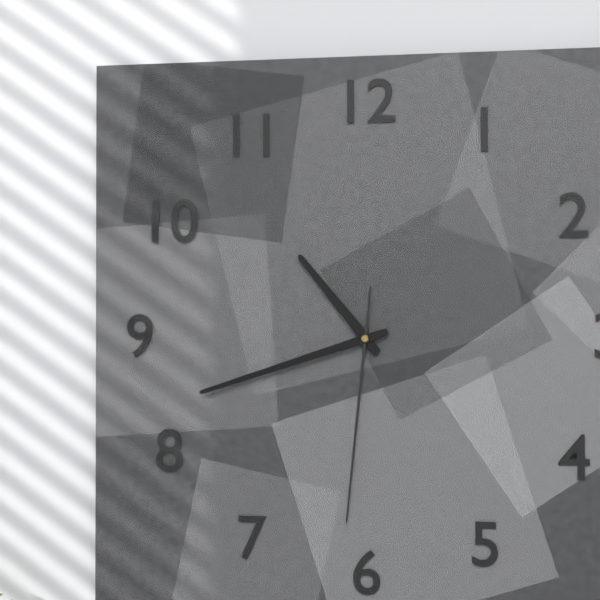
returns 10,42,31
